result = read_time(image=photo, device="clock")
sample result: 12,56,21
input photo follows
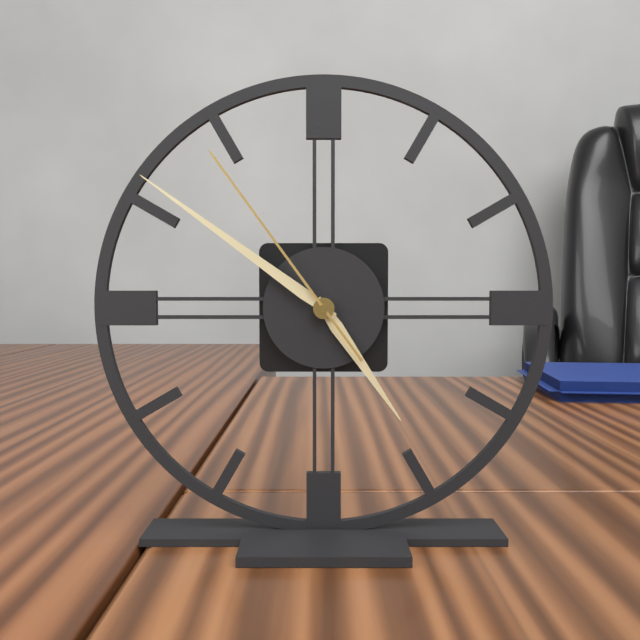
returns 4,51,54
